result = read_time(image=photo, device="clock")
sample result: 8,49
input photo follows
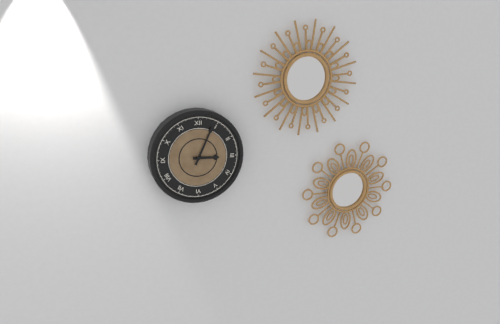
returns 3,04
